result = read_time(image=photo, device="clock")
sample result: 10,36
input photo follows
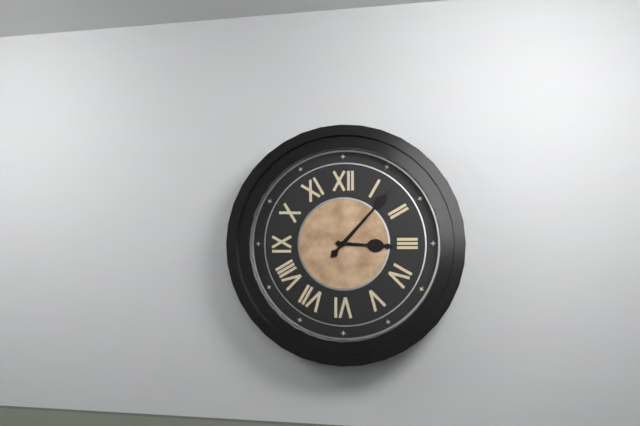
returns 3,07
